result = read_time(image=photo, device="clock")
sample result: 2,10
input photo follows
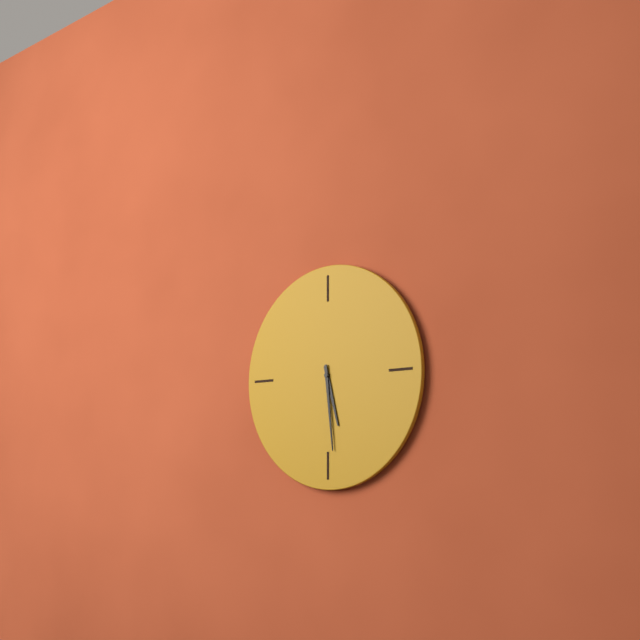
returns 5,29
